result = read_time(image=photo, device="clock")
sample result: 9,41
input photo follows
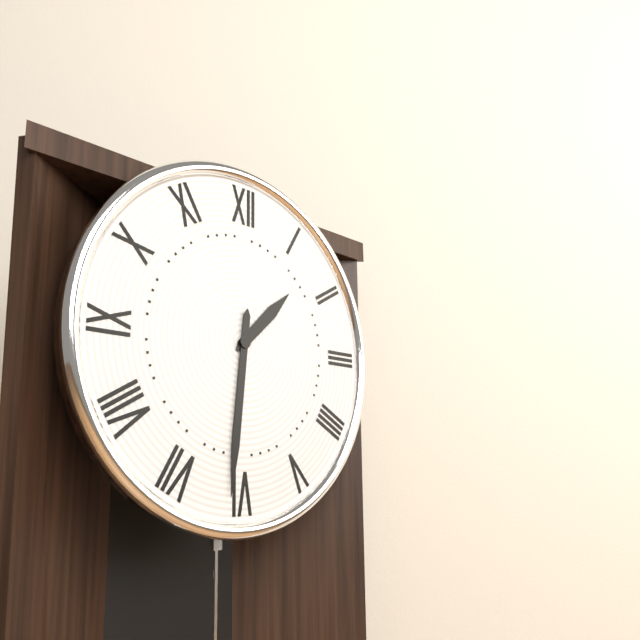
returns 1,31
